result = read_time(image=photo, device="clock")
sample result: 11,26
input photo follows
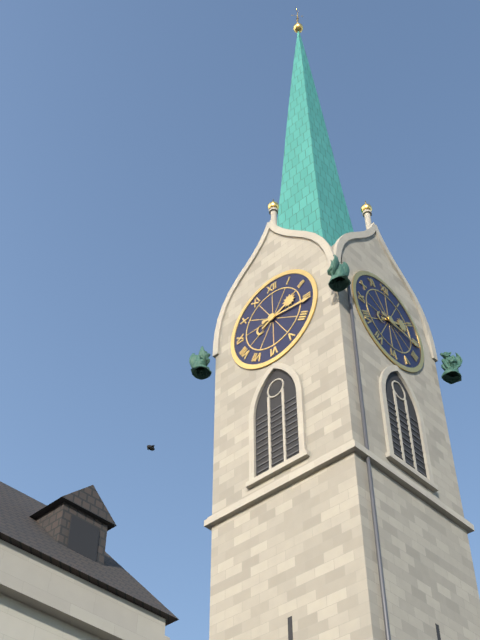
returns 2,16
